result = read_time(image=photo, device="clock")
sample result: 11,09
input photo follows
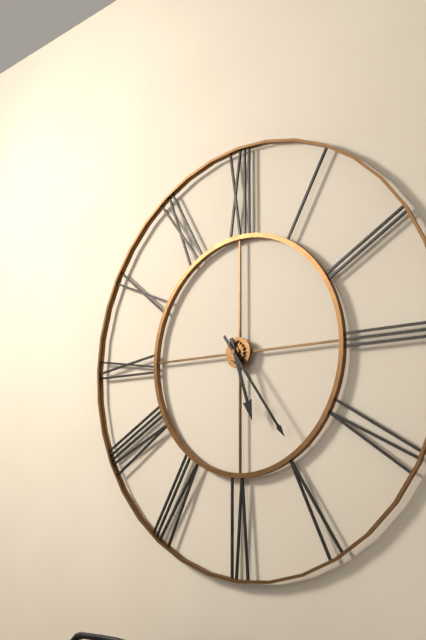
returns 5,24
